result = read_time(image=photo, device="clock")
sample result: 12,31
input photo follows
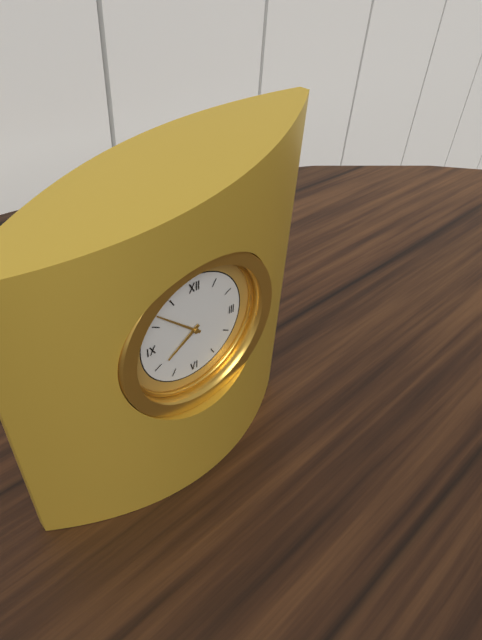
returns 7,52
